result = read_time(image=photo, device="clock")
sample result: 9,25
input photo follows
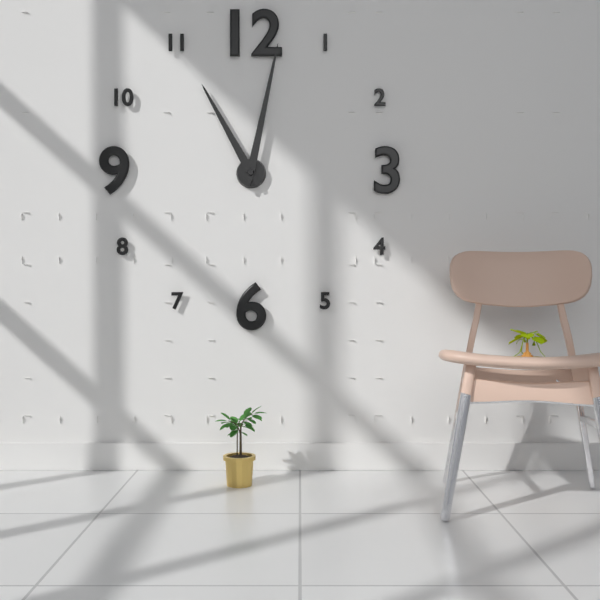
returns 11,02
